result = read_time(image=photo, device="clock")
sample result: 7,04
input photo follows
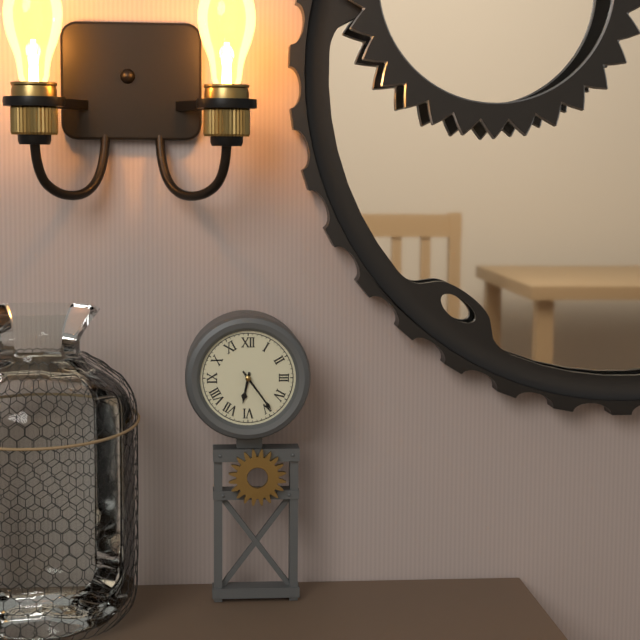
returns 6,24
